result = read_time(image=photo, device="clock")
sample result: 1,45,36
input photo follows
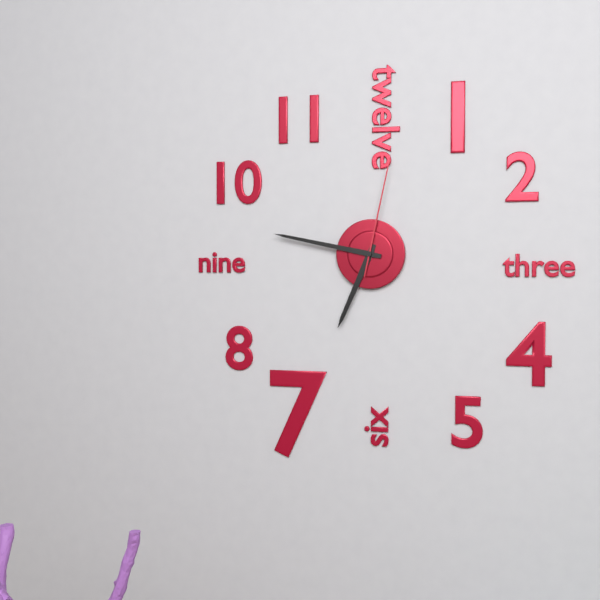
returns 6,47,02
